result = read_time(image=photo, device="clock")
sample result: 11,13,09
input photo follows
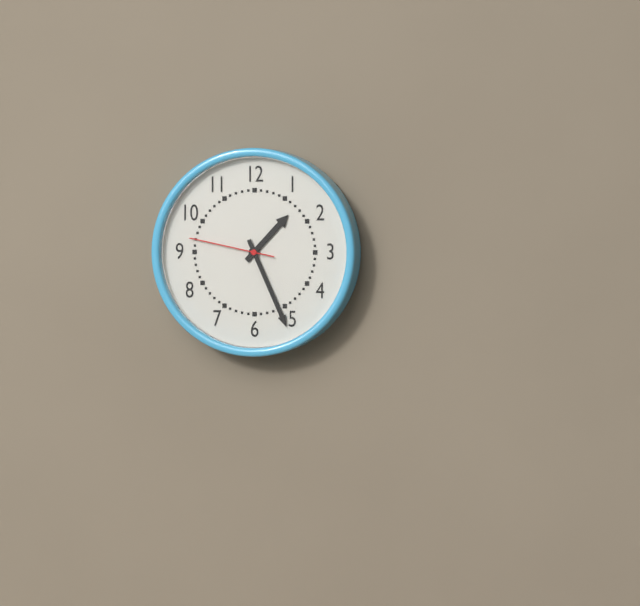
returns 1,26,47
